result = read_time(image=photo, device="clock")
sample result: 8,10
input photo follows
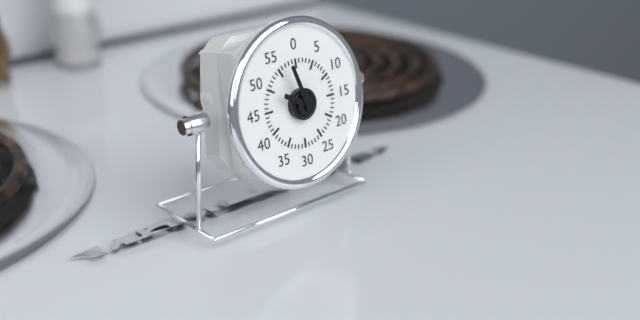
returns 9,57
